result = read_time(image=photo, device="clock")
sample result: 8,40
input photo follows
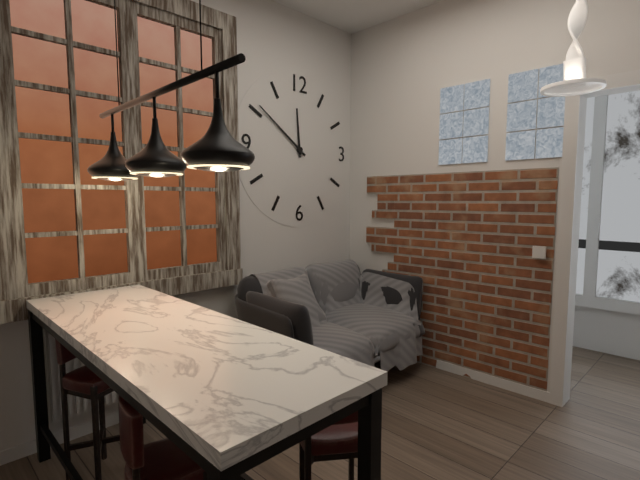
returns 11,51
